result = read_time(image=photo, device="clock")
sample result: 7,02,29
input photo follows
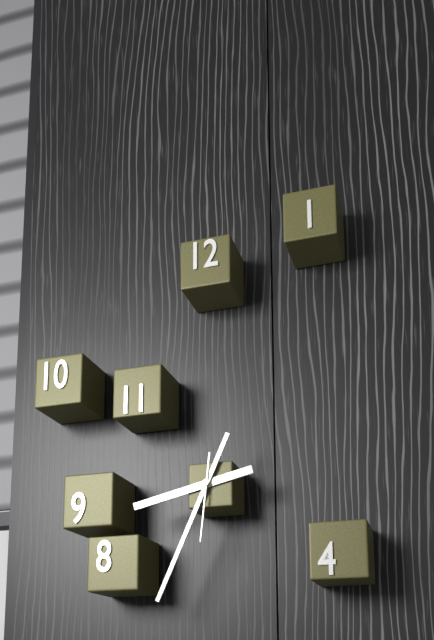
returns 8,34,31
